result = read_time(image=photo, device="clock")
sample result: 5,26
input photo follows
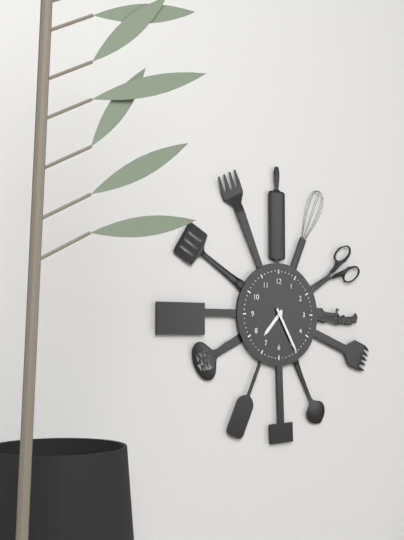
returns 7,25
